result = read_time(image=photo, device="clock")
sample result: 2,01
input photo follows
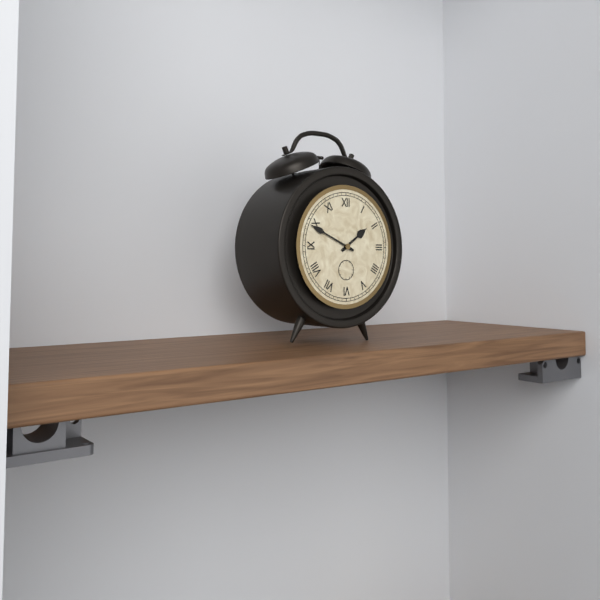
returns 1,49
